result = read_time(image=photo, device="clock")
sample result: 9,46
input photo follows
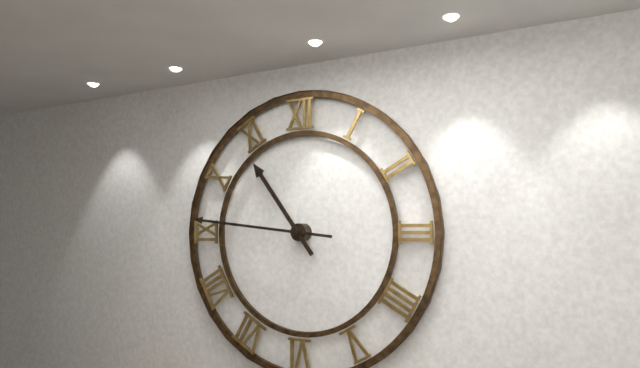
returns 10,46
